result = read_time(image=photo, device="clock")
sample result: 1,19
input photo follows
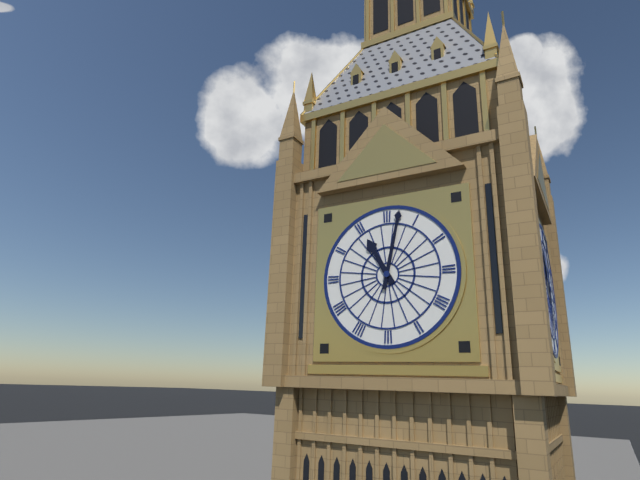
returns 11,02
